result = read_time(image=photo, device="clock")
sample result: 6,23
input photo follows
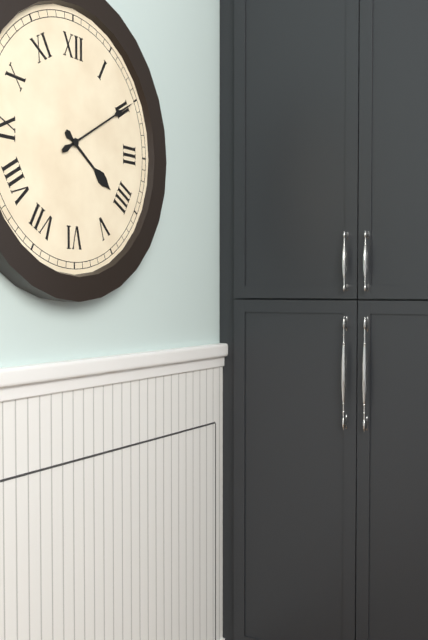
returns 4,10
